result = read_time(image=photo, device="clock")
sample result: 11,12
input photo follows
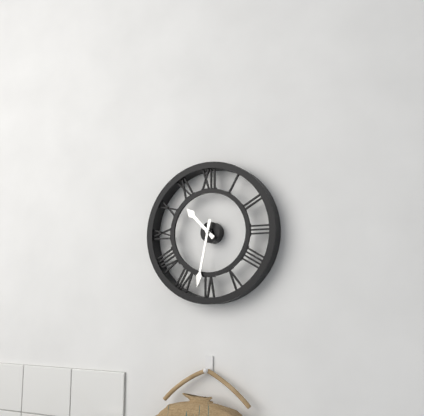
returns 10,32
